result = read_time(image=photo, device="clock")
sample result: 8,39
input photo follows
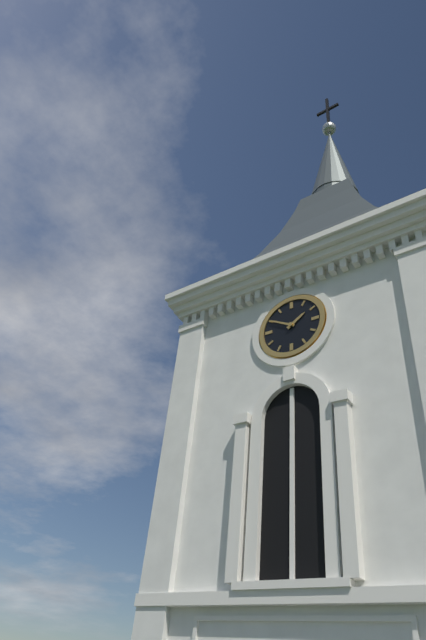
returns 1,50
